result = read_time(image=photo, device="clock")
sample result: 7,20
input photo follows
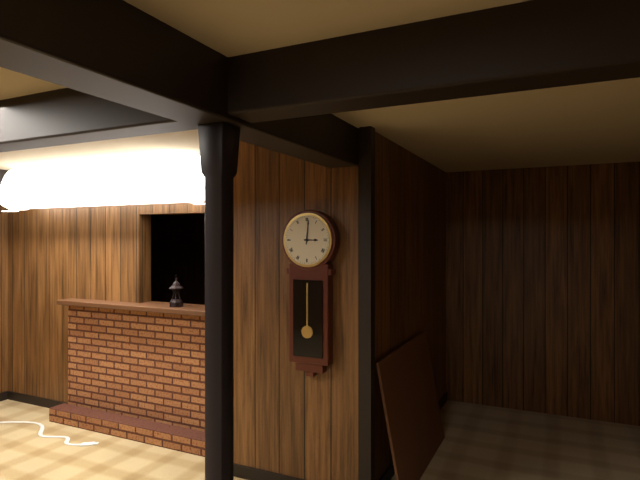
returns 3,01
